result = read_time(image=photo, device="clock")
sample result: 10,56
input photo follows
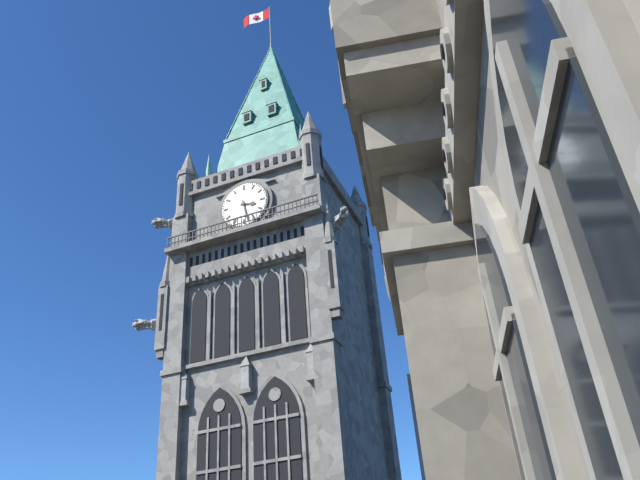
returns 3,28
